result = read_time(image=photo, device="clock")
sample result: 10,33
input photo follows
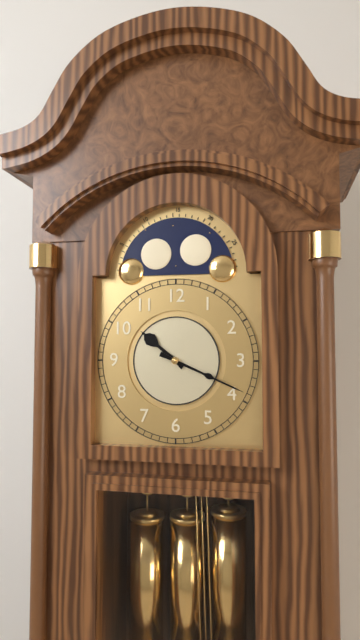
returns 10,19
